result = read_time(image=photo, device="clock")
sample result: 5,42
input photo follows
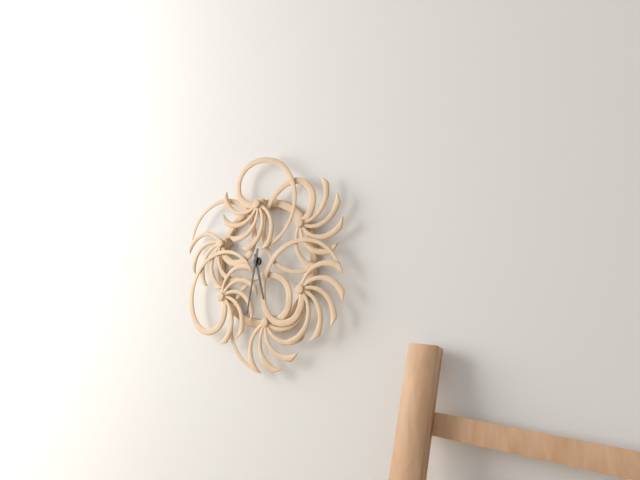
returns 5,32
